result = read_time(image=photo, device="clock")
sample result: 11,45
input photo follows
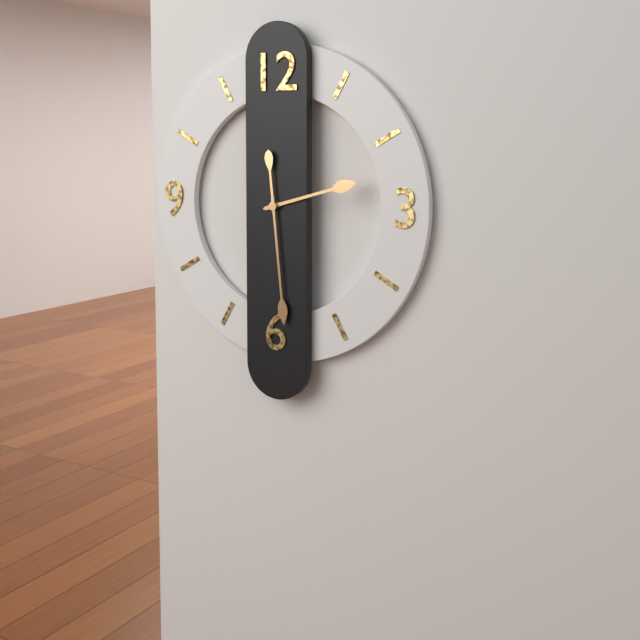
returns 2,29
